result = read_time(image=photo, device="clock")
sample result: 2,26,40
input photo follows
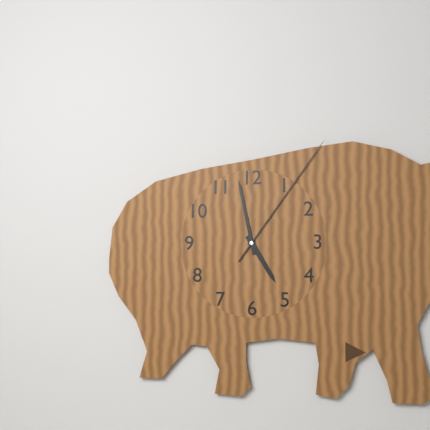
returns 4,58,06
